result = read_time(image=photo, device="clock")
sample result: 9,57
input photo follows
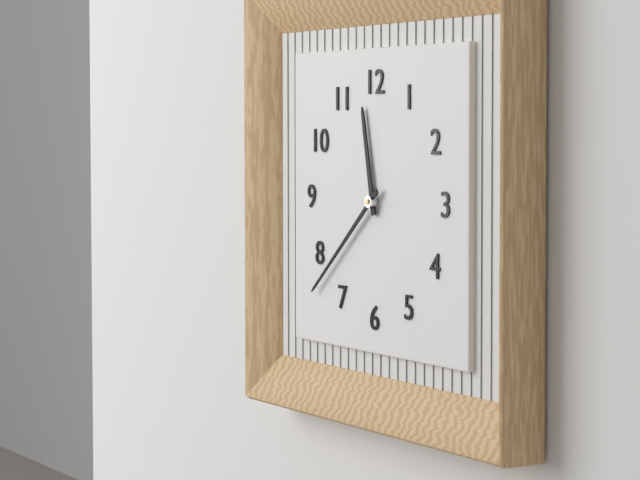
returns 11,38
